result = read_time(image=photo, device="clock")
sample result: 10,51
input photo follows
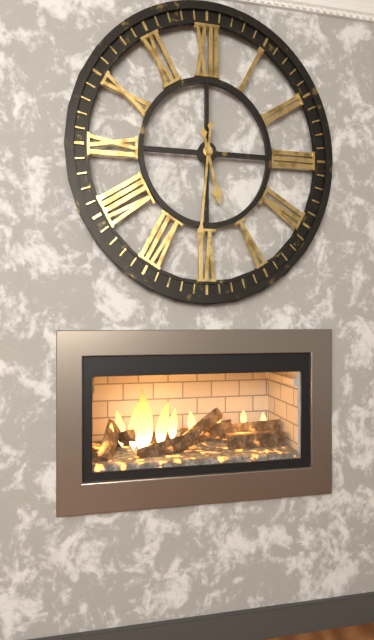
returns 5,31
